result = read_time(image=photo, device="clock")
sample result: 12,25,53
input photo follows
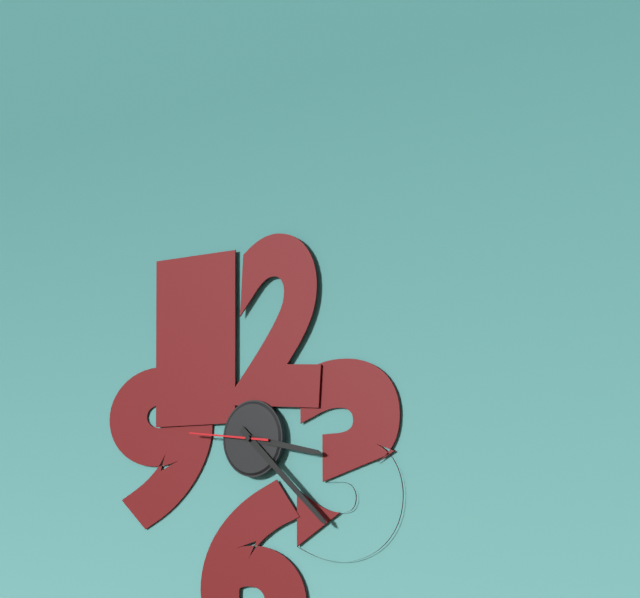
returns 3,22,46
